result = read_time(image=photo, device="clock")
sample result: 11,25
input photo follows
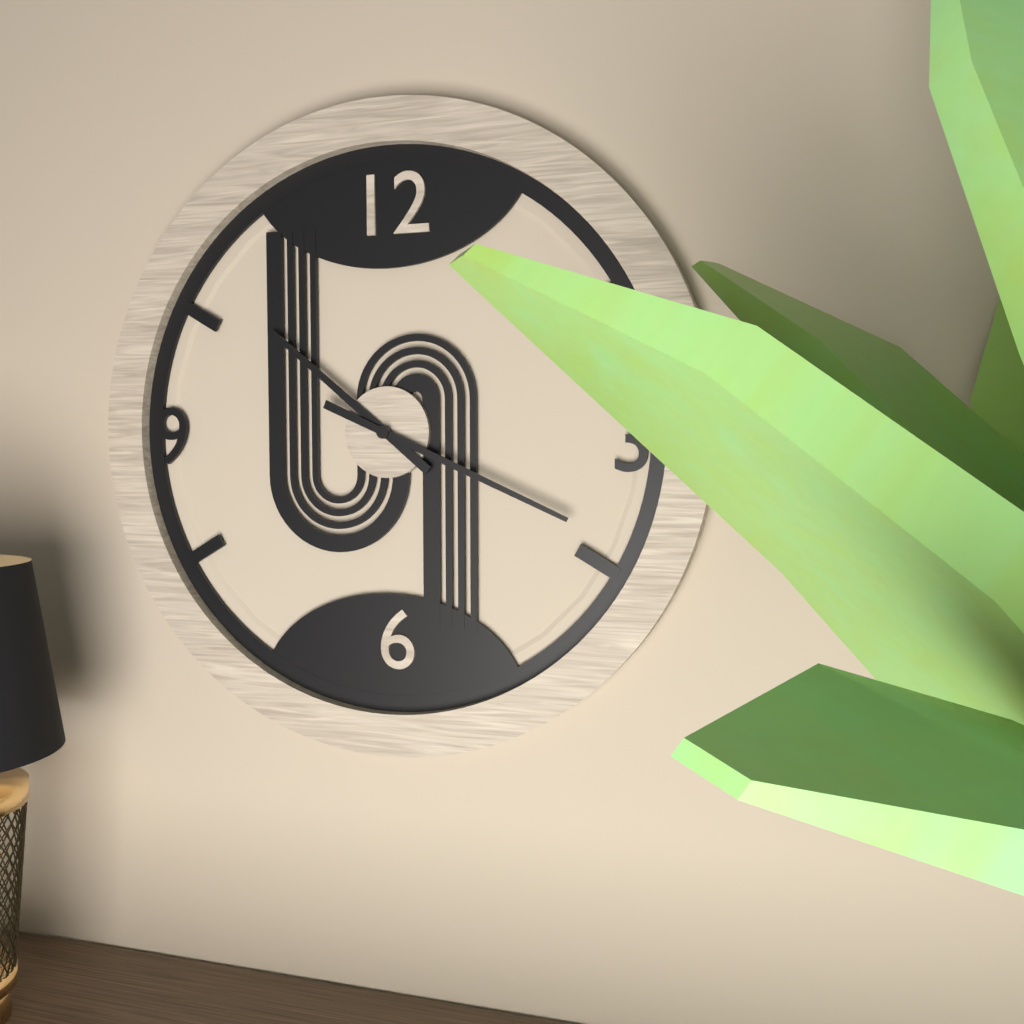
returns 10,19
